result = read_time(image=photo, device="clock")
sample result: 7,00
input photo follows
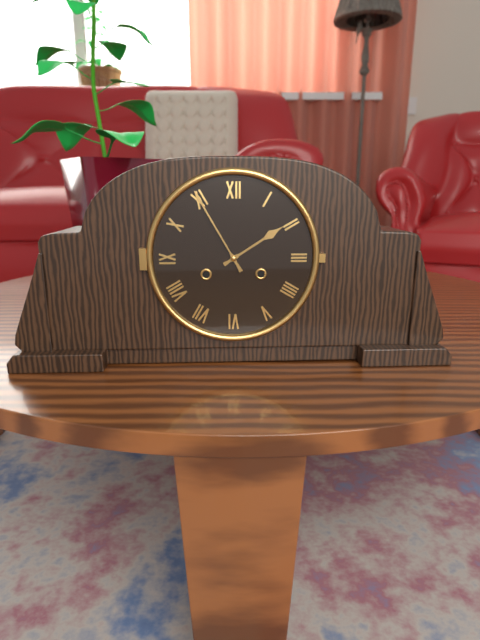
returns 1,55
